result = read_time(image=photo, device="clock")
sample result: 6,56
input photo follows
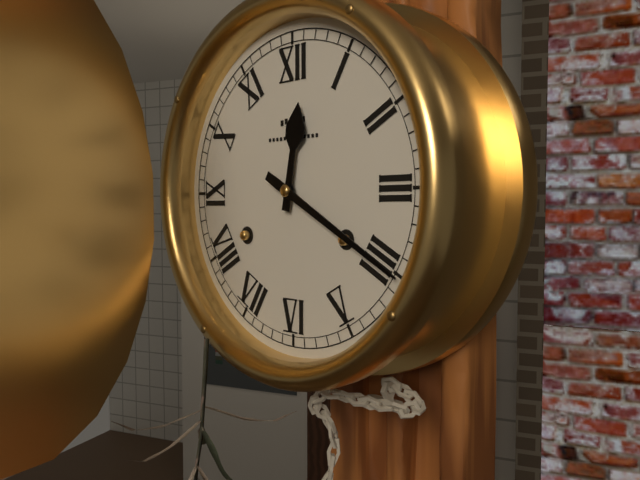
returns 12,20
